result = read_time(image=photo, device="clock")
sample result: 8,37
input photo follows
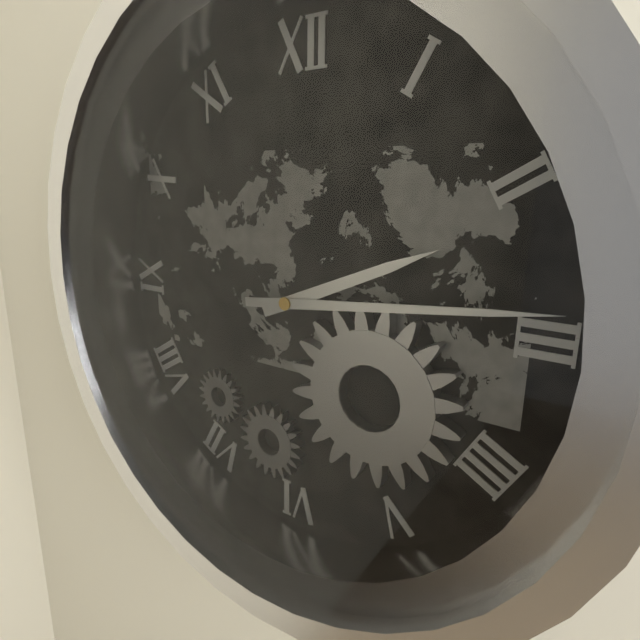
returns 2,14
